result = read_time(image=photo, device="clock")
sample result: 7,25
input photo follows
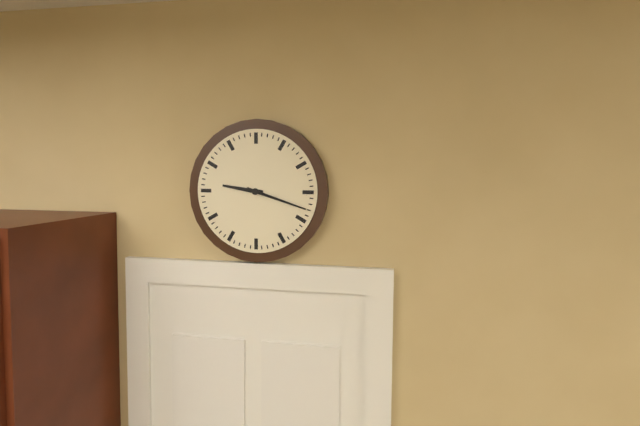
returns 9,18
